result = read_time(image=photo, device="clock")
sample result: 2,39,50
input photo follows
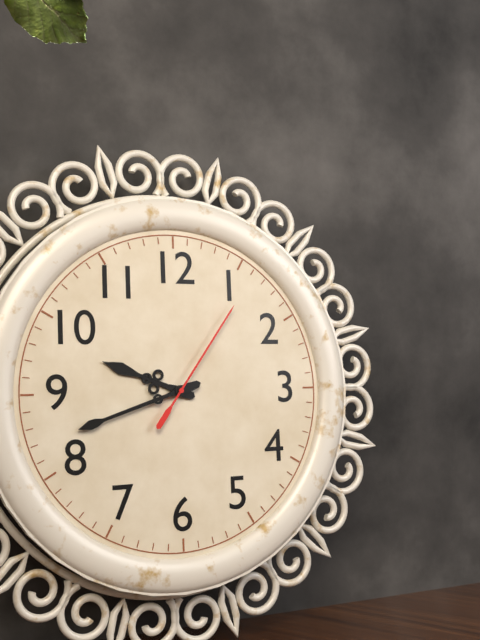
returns 9,42,06
